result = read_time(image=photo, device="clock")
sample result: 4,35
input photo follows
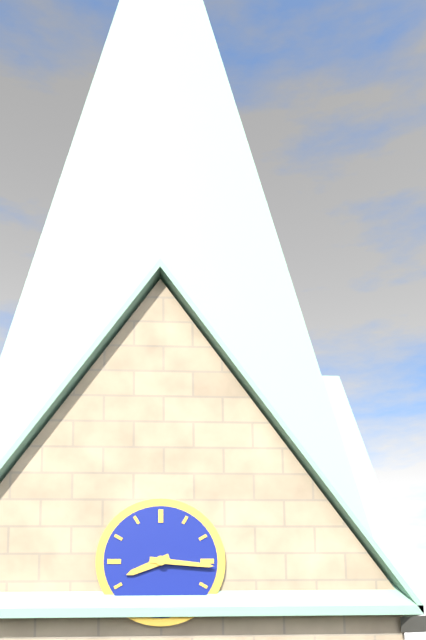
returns 8,16
